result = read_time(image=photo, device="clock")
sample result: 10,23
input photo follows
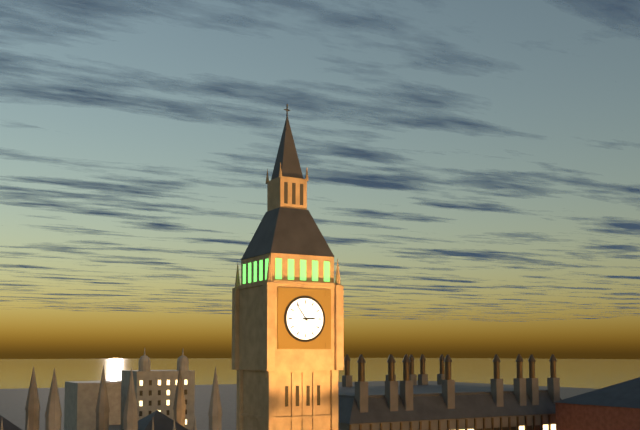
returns 2,54
